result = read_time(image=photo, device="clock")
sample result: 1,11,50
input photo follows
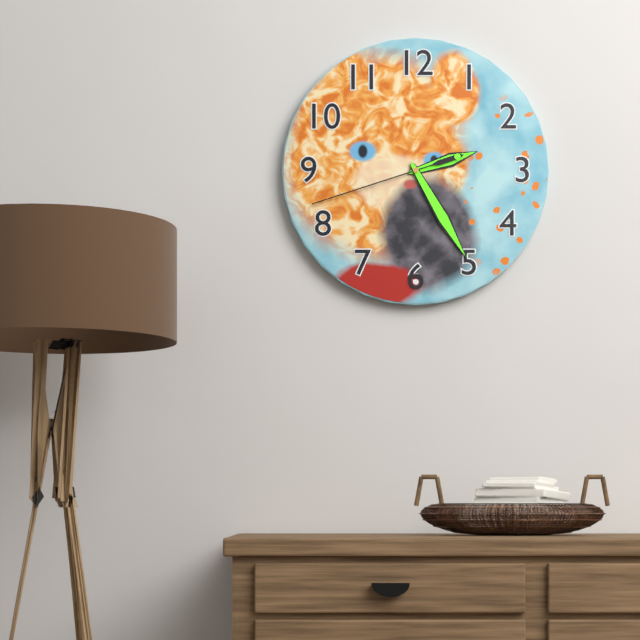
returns 2,25,42
